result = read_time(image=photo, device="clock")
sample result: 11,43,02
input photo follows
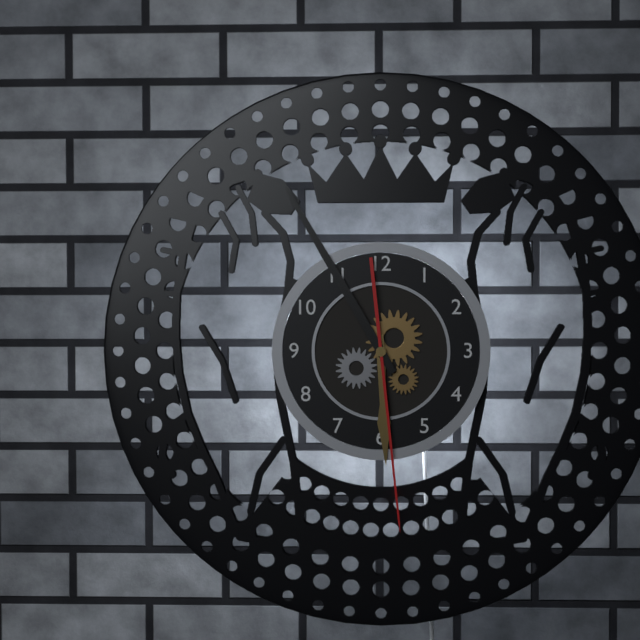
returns 5,55,29
